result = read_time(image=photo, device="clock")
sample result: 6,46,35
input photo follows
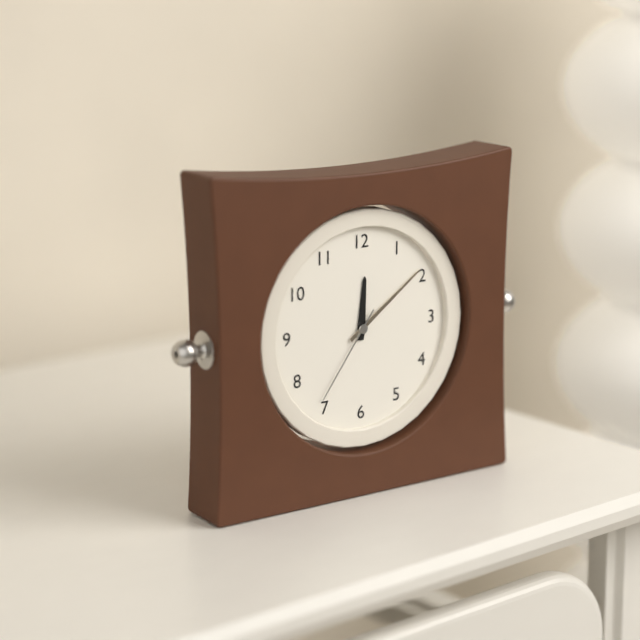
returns 12,09,36
